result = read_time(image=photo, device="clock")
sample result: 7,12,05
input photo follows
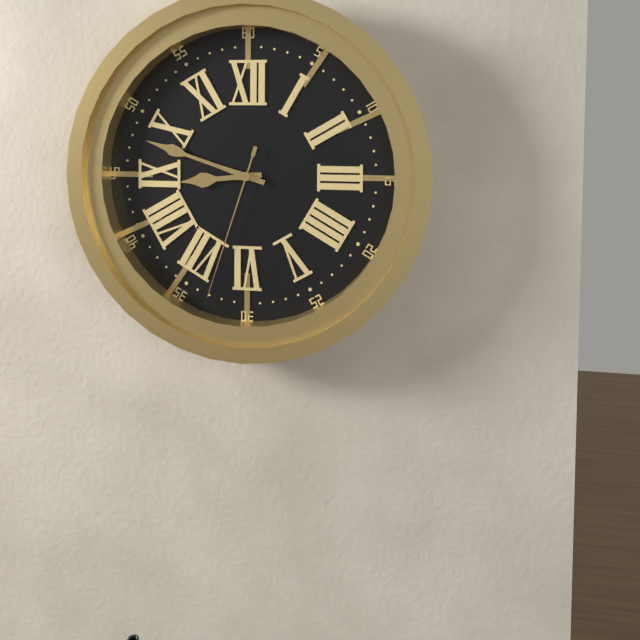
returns 8,48,33
